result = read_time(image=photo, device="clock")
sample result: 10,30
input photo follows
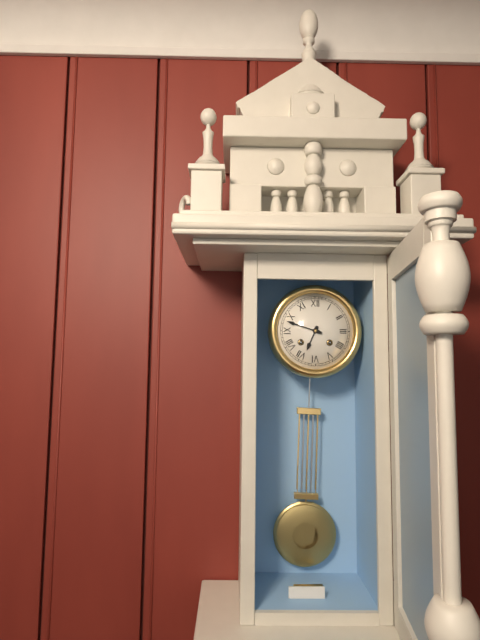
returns 6,48
